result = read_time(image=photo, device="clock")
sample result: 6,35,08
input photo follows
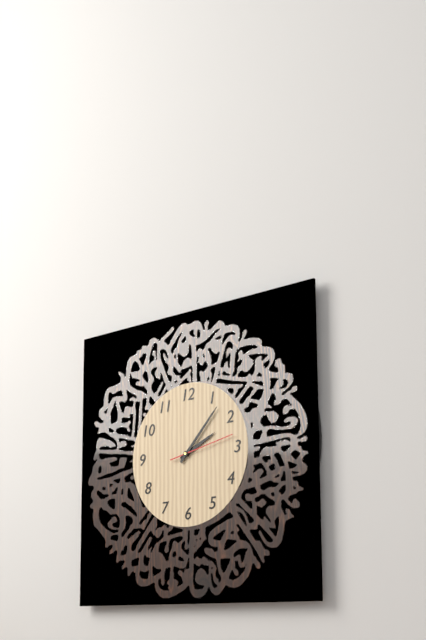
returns 2,07,13
